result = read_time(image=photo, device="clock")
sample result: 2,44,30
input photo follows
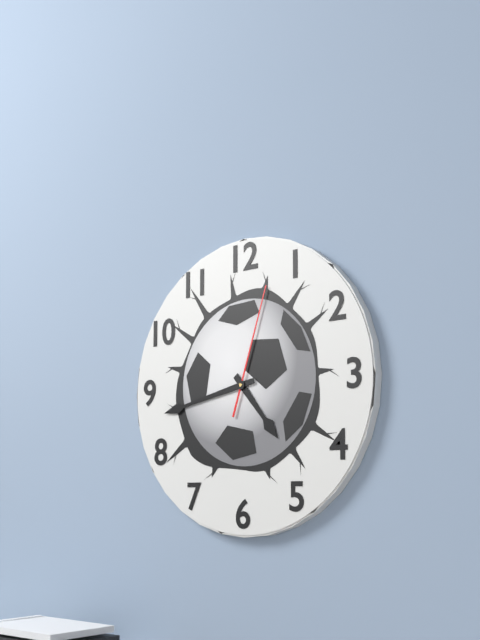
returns 4,43,03
